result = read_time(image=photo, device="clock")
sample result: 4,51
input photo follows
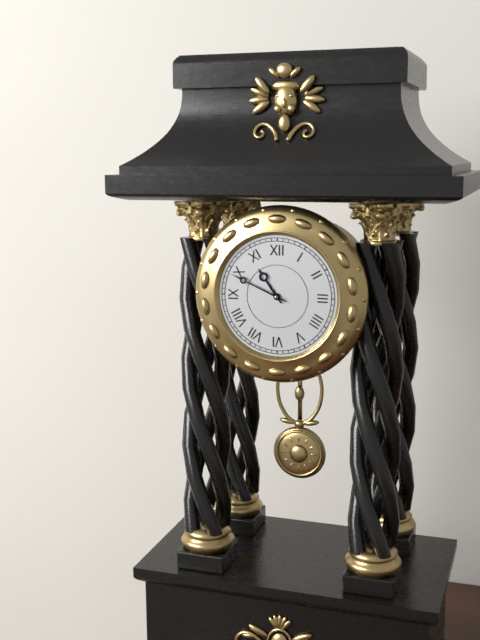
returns 10,49
